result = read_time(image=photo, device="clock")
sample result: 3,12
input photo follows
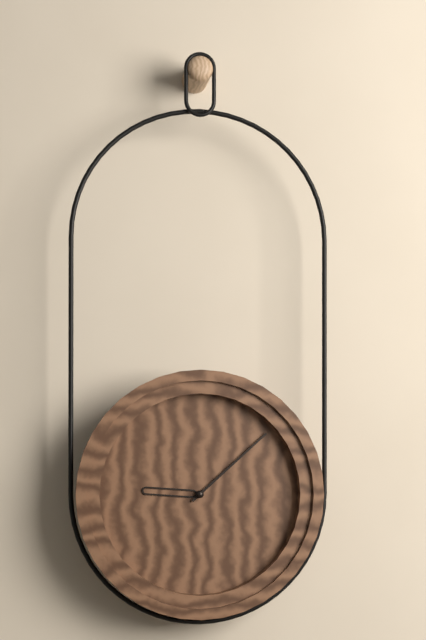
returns 9,08
